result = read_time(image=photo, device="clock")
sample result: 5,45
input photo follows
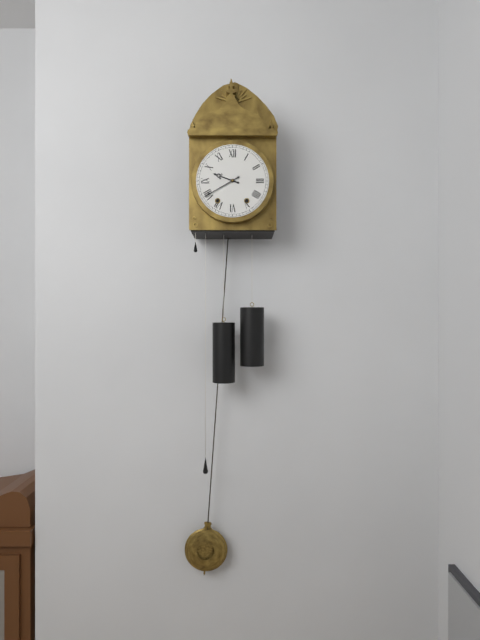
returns 9,40
